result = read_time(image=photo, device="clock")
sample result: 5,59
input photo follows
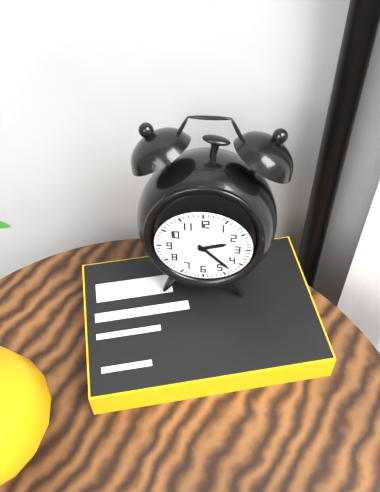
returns 2,23
